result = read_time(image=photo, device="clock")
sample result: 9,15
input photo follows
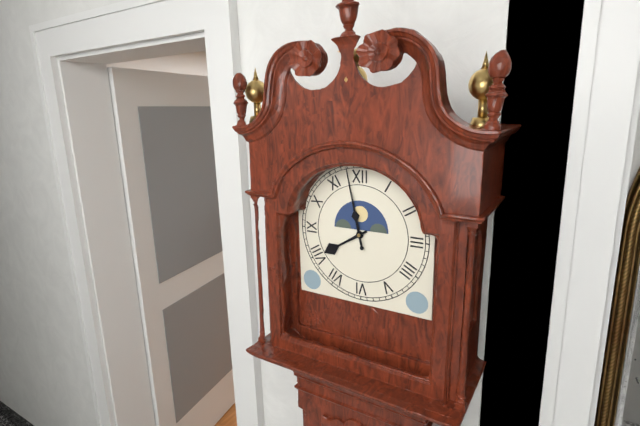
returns 7,58
